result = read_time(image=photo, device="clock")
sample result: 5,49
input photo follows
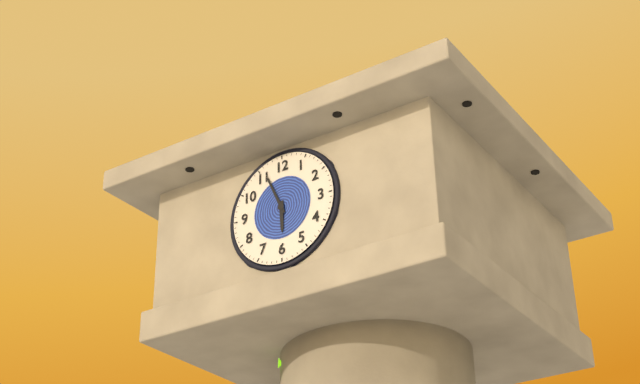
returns 5,56
